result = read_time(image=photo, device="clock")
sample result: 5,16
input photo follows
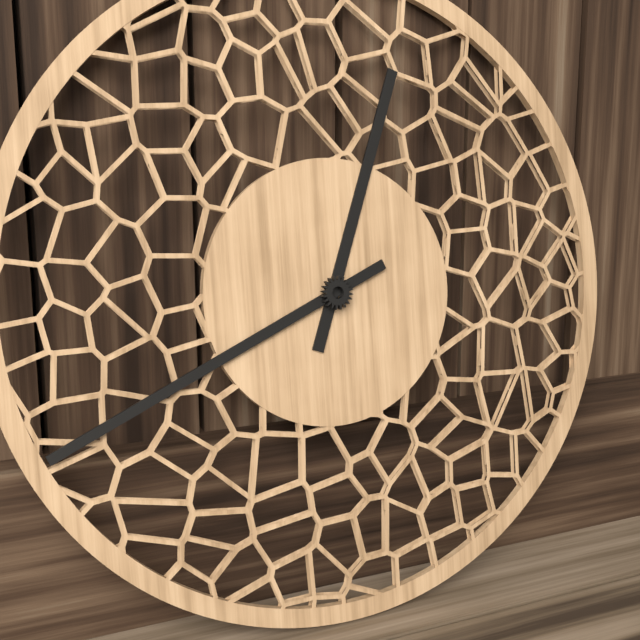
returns 12,41
